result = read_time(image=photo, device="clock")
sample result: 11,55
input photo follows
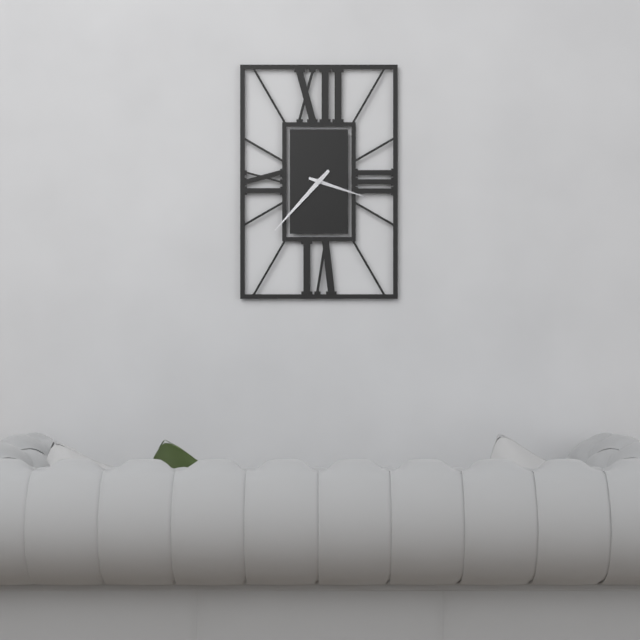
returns 3,37
